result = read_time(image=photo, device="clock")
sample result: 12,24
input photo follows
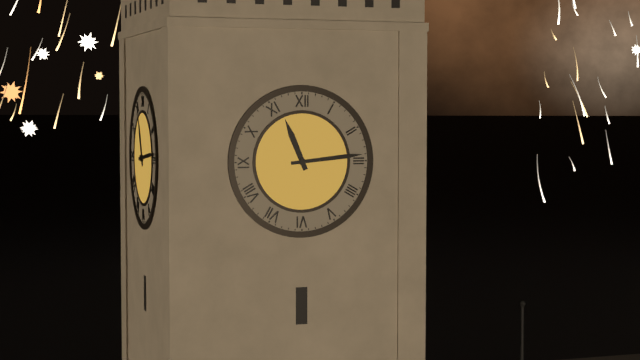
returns 11,14
